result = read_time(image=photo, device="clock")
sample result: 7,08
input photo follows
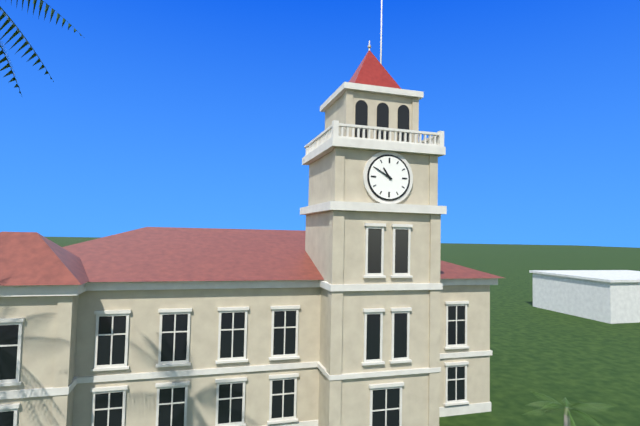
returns 10,50
